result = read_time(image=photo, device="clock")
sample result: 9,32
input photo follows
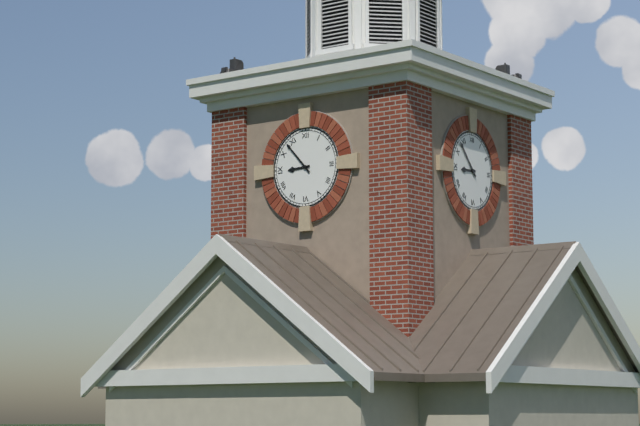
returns 8,53
